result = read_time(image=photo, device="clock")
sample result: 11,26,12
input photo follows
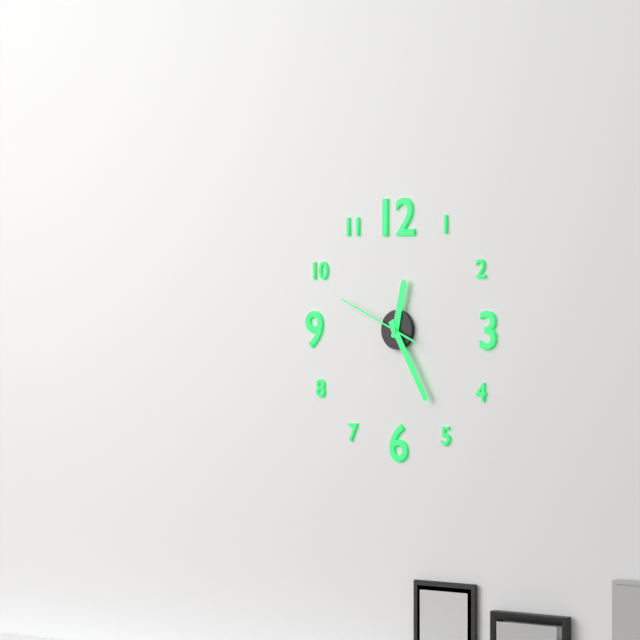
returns 12,25,49
